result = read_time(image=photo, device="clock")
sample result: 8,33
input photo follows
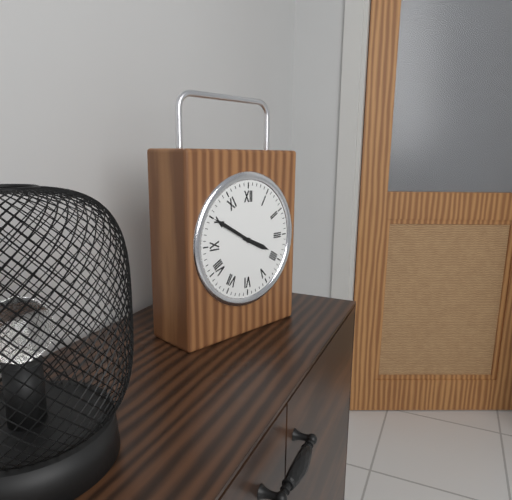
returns 3,50
